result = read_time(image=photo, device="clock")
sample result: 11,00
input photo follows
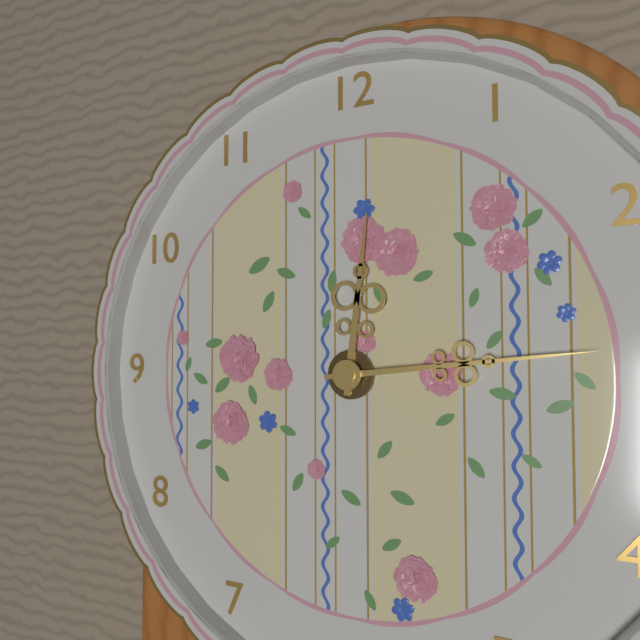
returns 12,14
